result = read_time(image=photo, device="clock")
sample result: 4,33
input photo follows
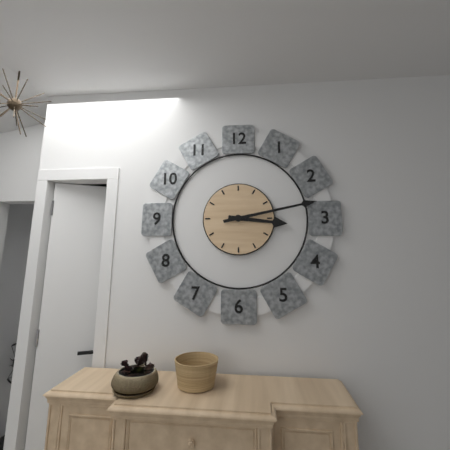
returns 3,13
